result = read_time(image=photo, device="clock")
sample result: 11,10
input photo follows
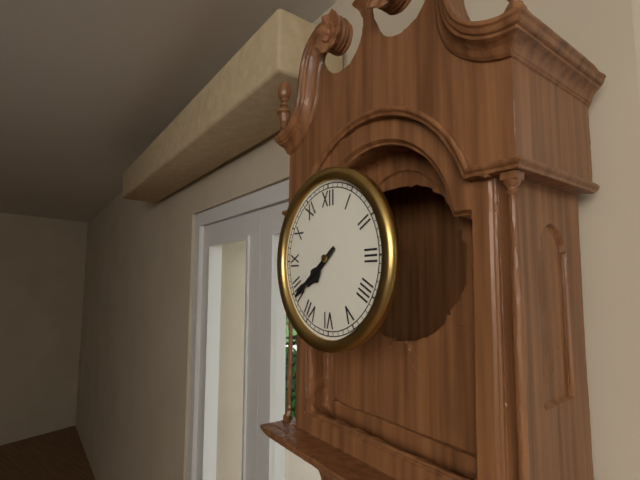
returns 7,39
